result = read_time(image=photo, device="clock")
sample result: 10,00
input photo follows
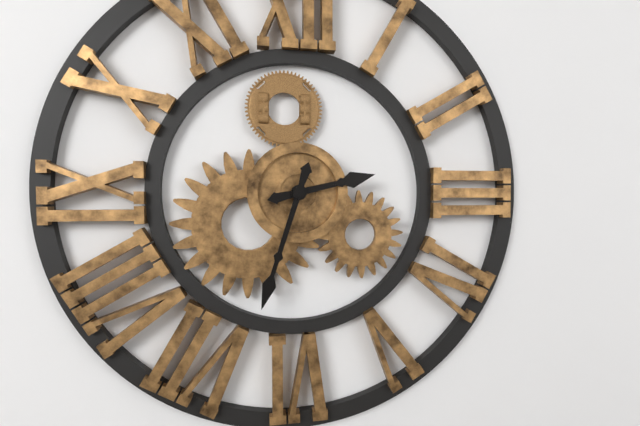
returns 2,33
